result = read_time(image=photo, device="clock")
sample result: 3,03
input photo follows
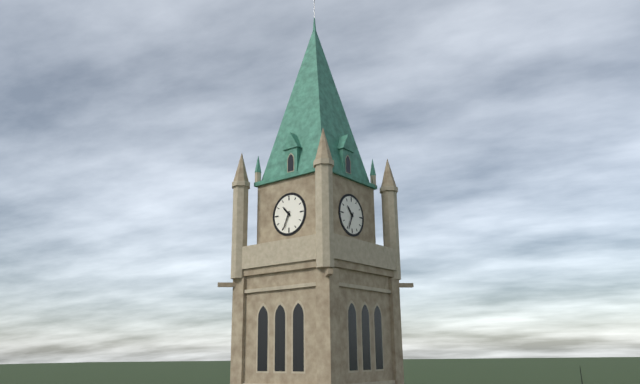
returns 10,34
